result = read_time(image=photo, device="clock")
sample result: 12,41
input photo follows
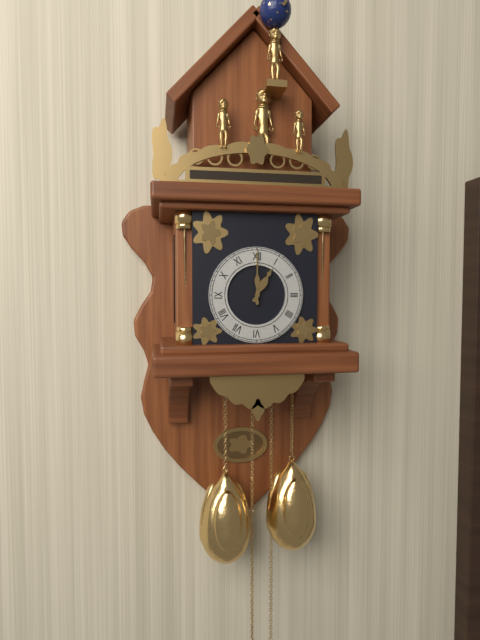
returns 1,00
